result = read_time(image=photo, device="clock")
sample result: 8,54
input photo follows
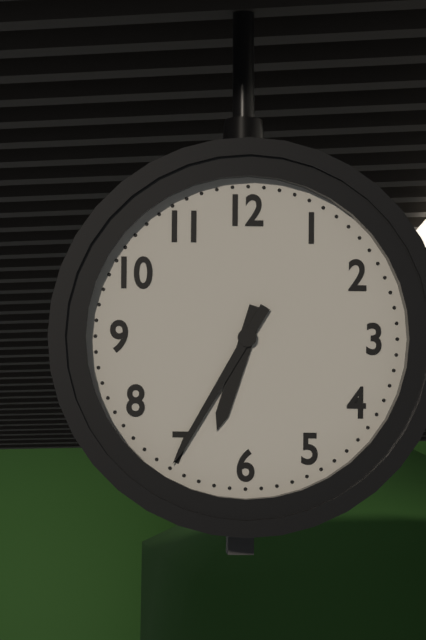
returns 6,35
